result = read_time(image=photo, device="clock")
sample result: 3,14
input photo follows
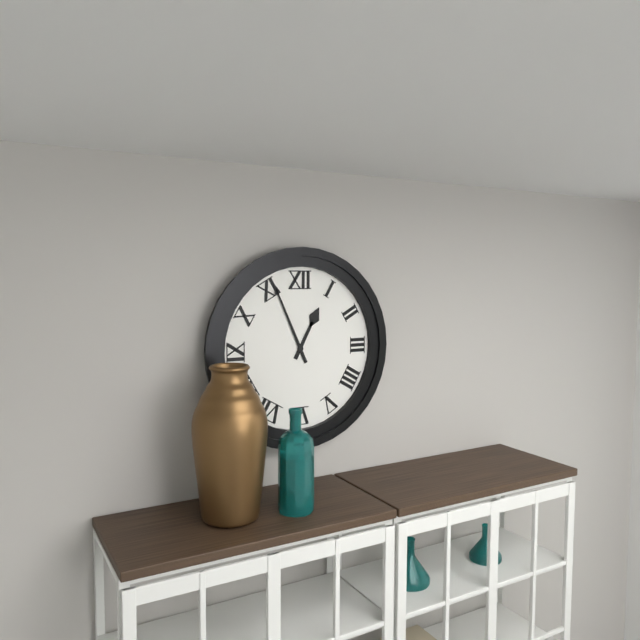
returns 12,56
